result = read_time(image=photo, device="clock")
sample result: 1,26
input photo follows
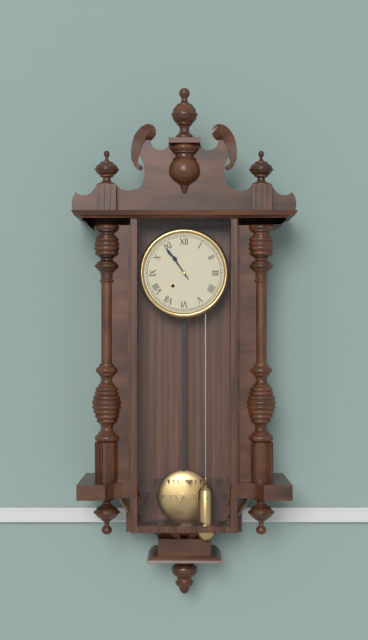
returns 10,54
